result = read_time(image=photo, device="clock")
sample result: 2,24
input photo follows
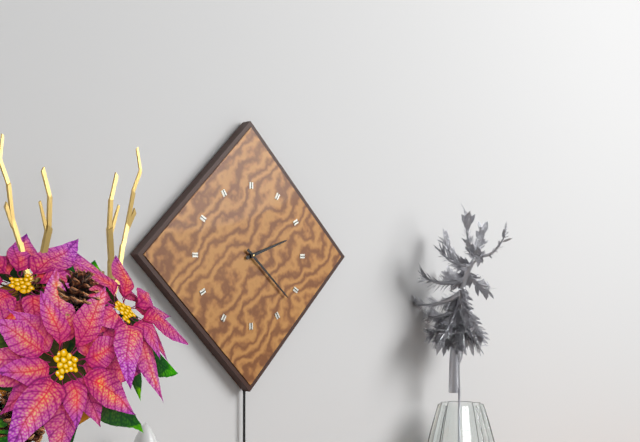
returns 2,22
